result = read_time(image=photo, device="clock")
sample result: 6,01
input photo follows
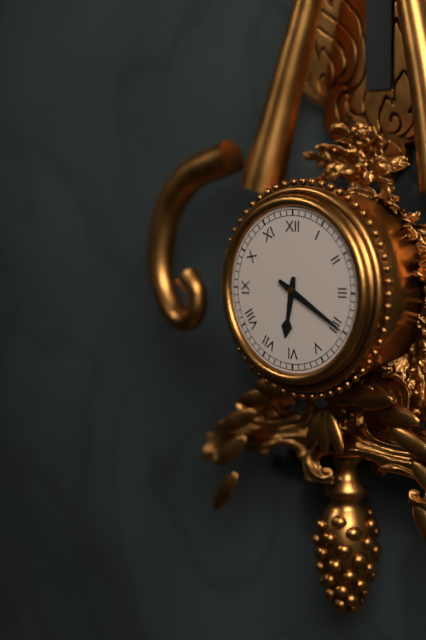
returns 6,20
